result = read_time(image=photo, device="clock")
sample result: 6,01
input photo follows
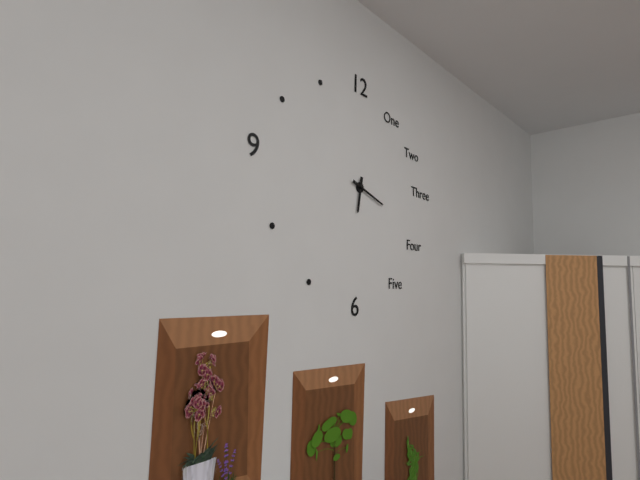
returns 6,18
